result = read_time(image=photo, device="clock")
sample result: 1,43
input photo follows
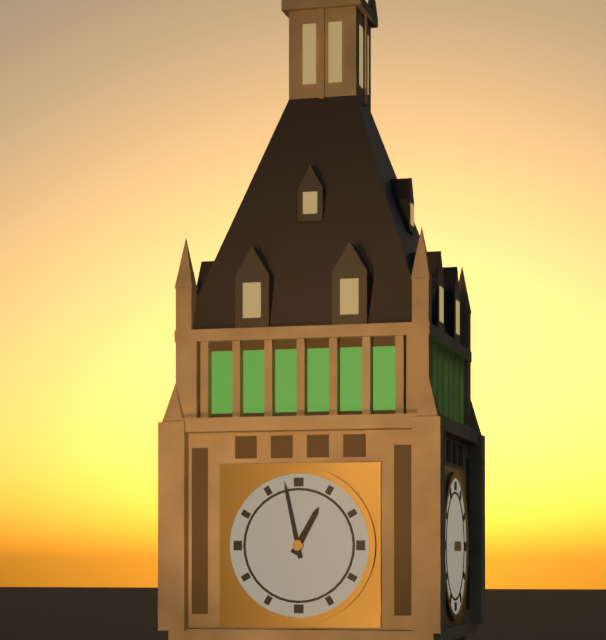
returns 12,58
